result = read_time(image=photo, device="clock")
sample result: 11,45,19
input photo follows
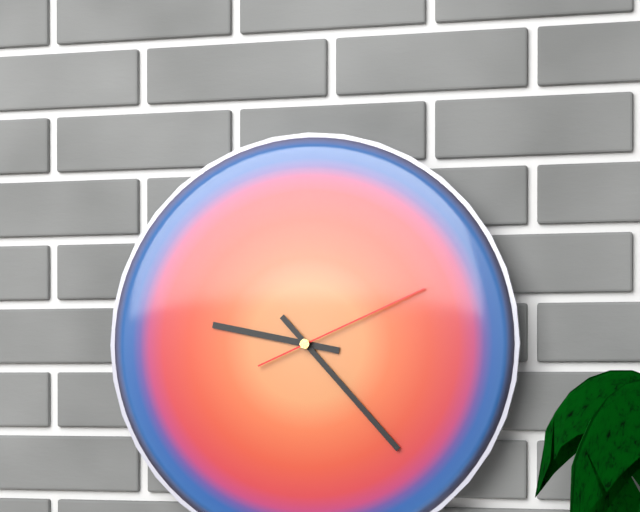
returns 9,23,11
